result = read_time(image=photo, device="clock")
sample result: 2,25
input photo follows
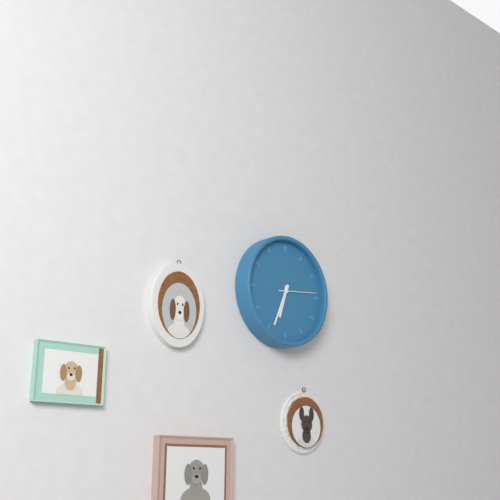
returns 6,34
